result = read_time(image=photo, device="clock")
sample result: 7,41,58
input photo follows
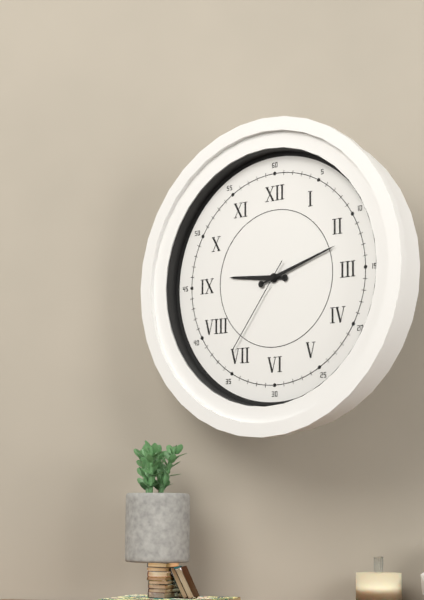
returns 9,12,36
